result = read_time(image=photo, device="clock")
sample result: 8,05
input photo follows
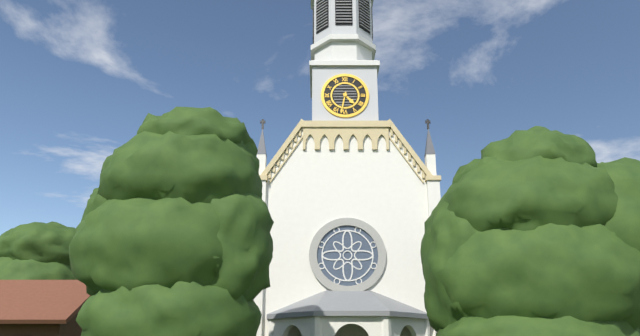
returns 4,32
